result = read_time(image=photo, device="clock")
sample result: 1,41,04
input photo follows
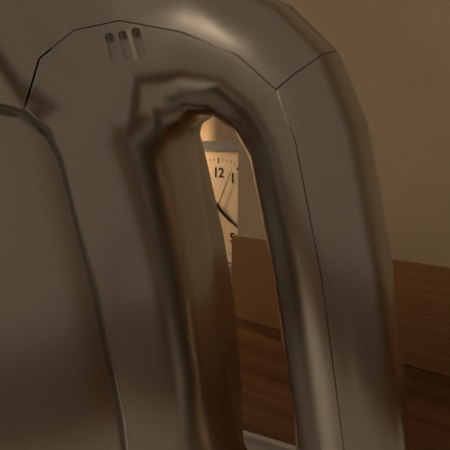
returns 4,21,04
